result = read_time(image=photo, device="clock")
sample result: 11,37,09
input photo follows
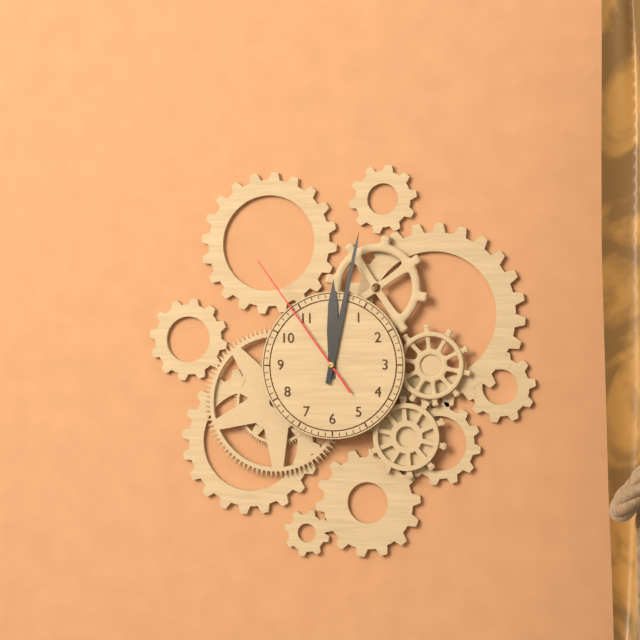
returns 12,02,54
